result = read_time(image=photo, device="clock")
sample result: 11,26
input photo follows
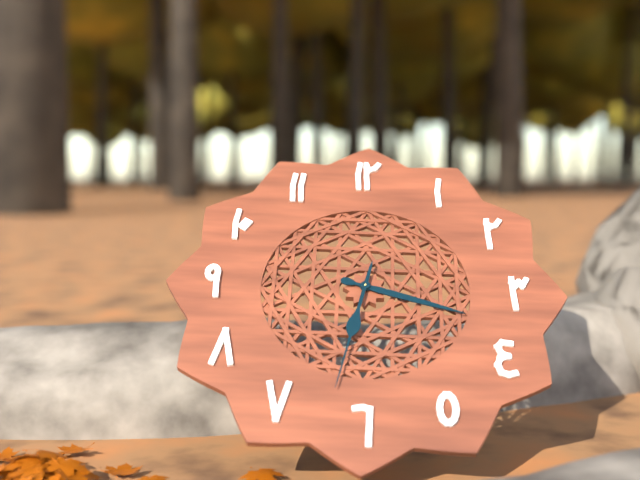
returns 3,32
